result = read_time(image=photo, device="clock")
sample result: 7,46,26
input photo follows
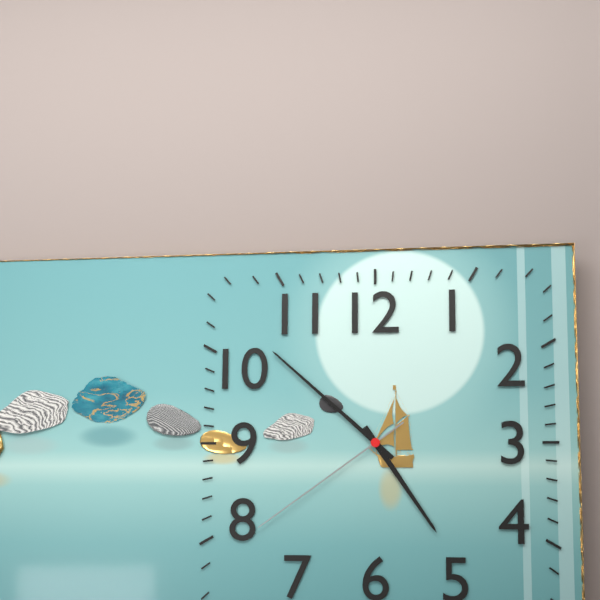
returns 4,52,39
